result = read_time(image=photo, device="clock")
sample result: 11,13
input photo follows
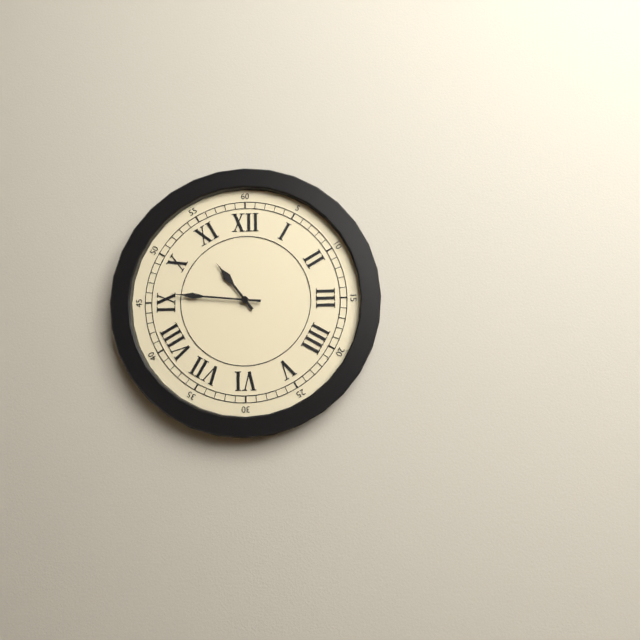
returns 10,46
